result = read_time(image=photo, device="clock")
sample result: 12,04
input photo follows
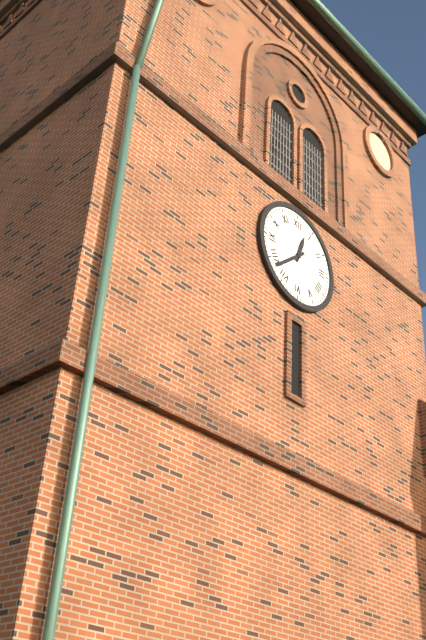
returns 12,38
